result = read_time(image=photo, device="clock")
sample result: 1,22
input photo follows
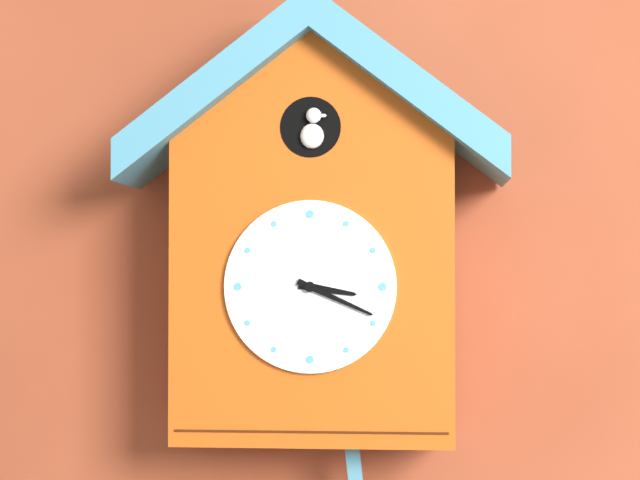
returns 3,19
